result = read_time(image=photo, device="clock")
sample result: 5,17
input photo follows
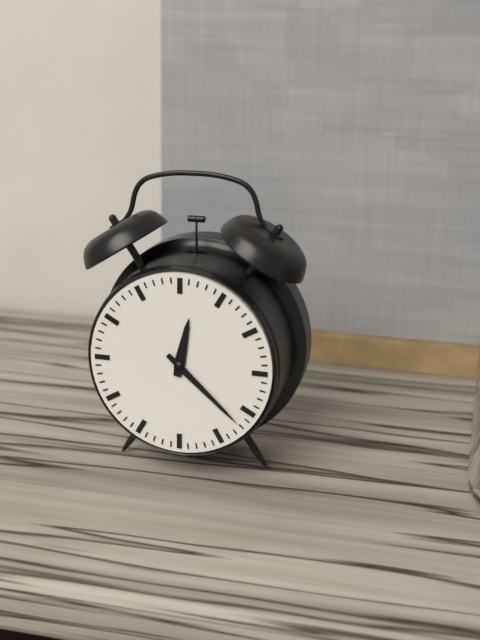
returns 12,22
